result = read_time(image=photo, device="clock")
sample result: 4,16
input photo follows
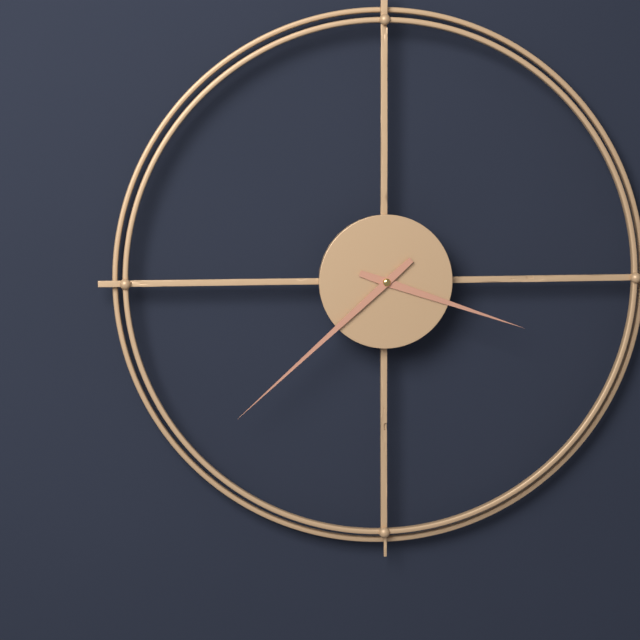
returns 3,38
